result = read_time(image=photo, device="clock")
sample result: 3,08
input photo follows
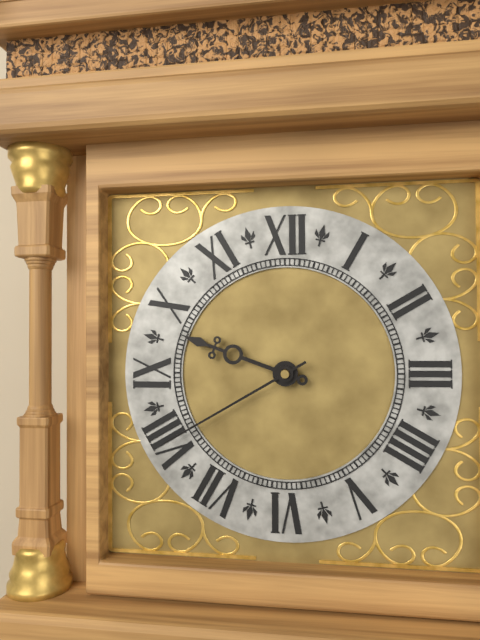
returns 9,40
